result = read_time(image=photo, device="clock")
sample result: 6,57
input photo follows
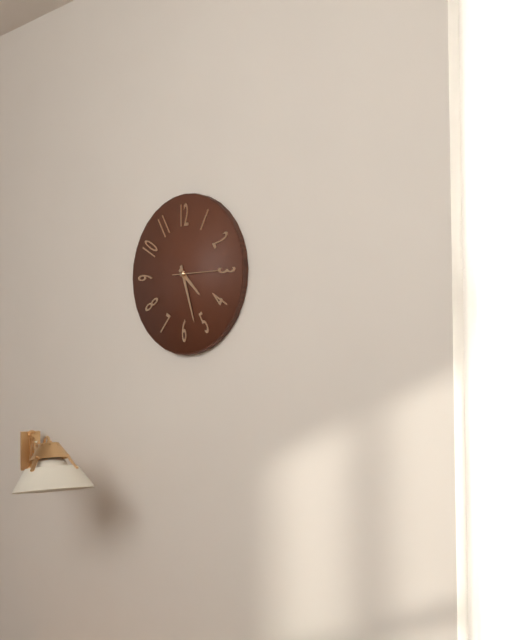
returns 4,27
